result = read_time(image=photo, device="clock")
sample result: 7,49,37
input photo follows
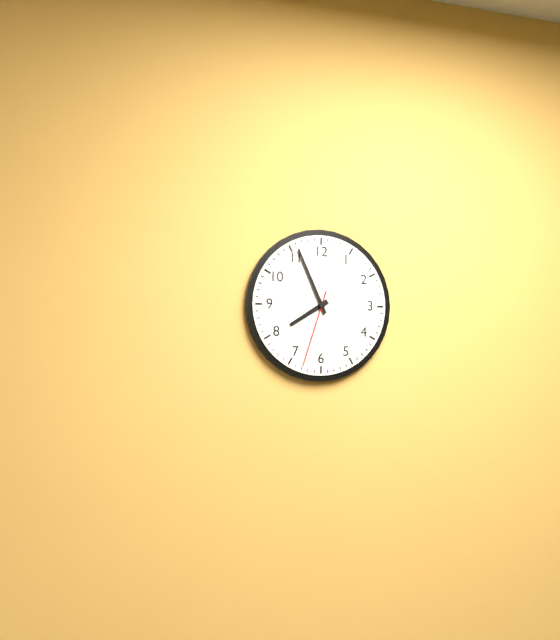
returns 7,56,33
